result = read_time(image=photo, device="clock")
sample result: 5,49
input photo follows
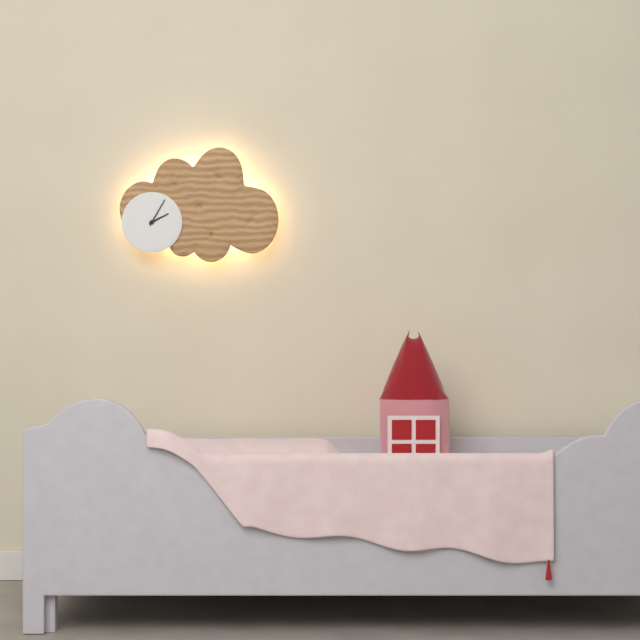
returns 2,05
